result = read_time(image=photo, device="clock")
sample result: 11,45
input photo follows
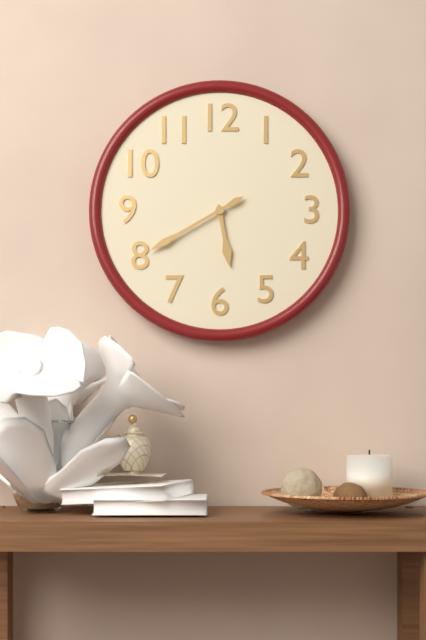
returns 5,40
